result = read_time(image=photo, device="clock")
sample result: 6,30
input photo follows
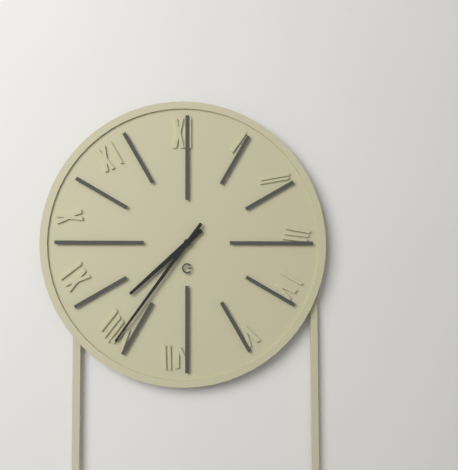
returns 7,36
